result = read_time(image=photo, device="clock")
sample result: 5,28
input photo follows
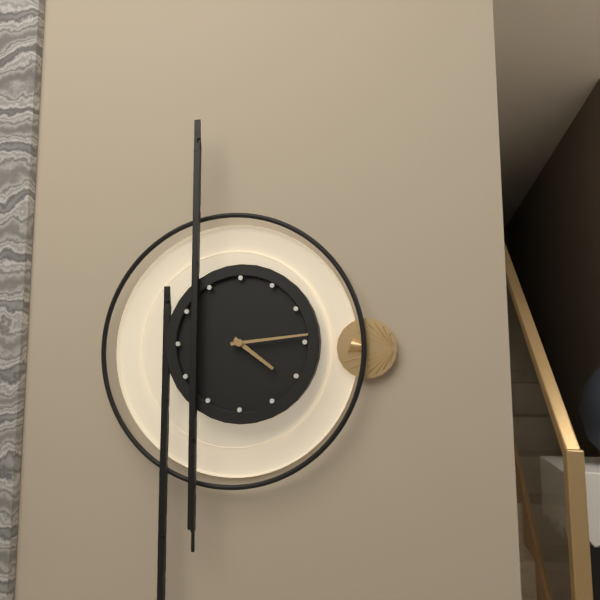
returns 4,14
